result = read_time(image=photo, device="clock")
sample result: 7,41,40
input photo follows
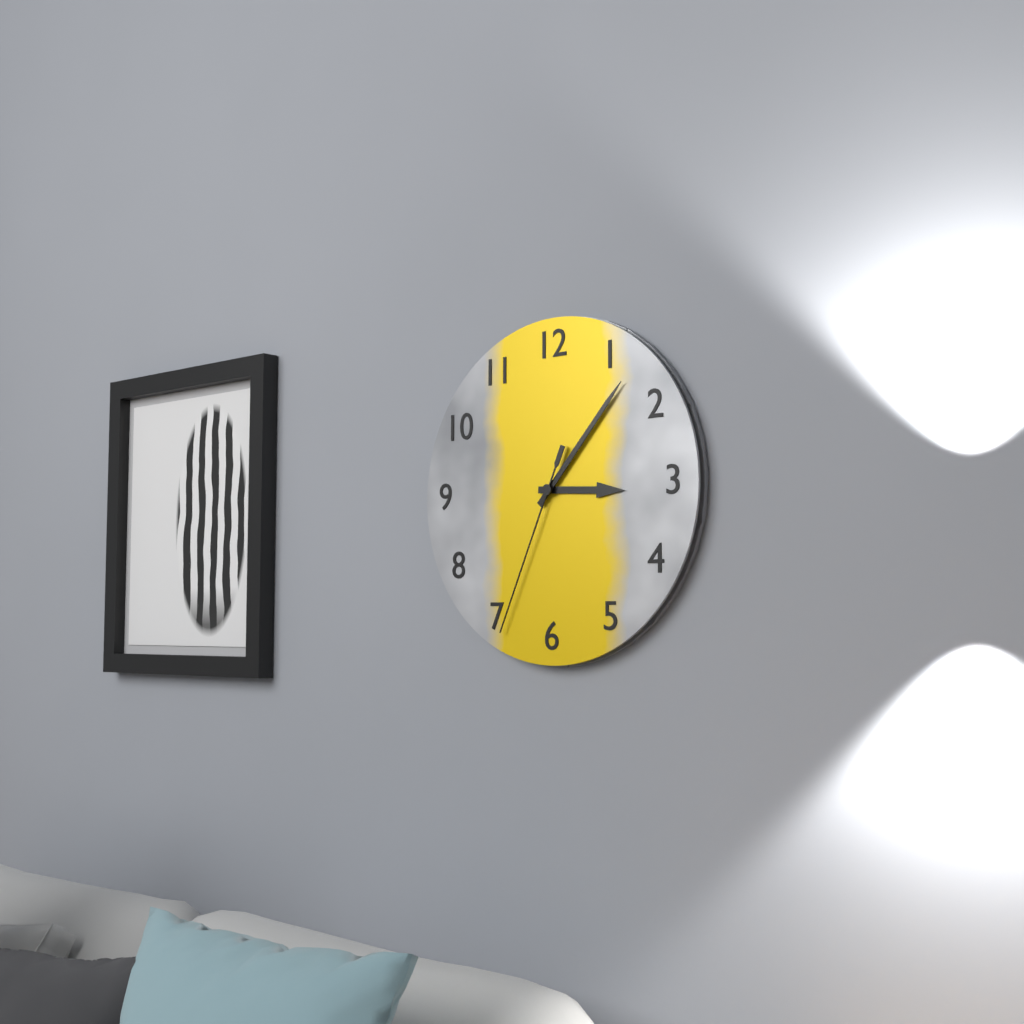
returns 3,07,34
